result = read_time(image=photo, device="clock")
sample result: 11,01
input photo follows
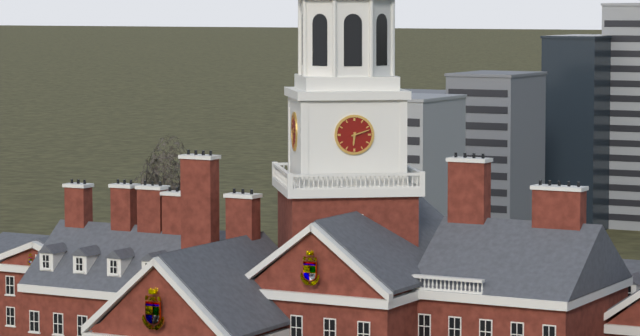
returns 6,12
